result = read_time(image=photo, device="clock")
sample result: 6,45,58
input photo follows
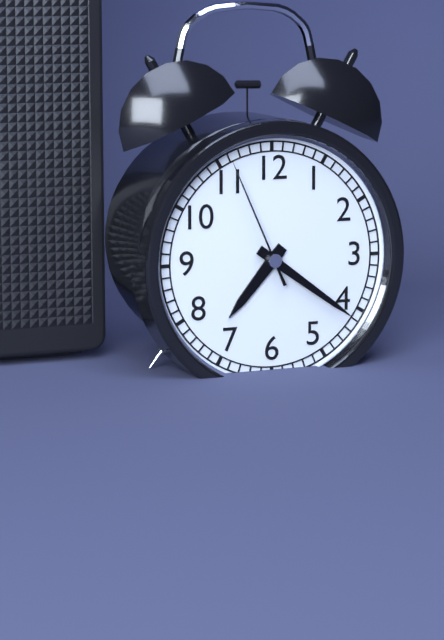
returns 7,21,56
